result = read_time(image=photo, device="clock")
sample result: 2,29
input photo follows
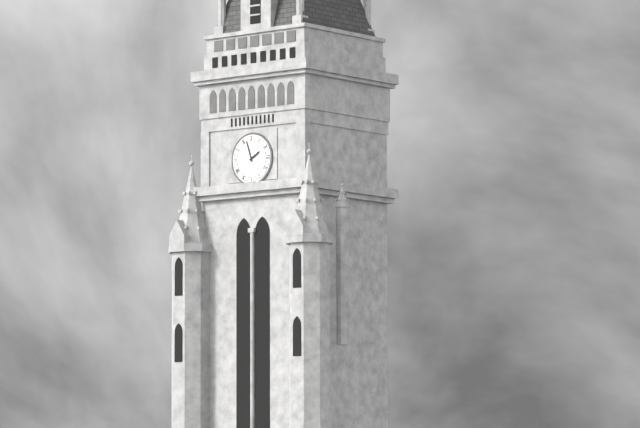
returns 1,57
